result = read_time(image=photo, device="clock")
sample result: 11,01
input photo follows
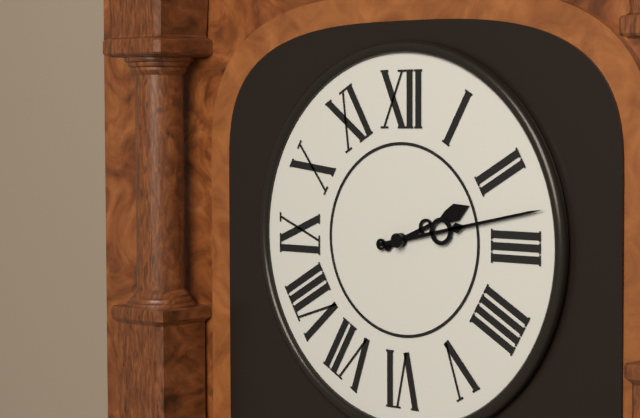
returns 2,13
